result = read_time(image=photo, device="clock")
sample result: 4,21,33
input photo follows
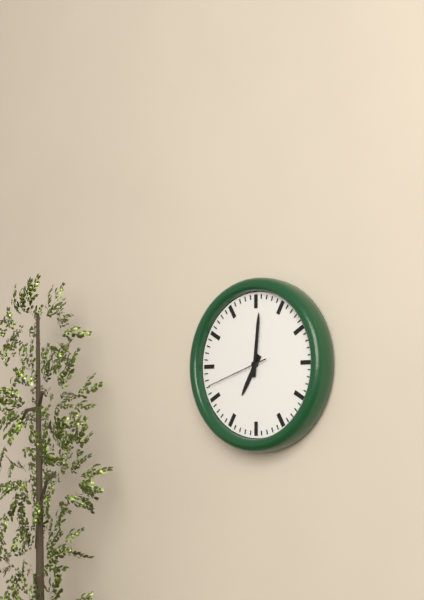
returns 7,01,42
